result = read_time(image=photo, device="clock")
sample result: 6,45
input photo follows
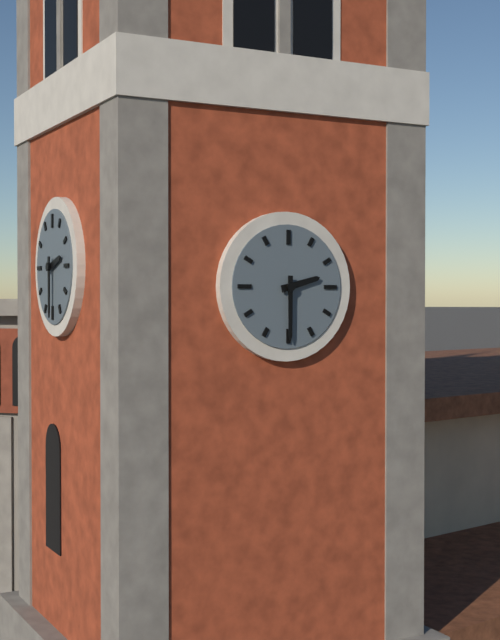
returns 2,30
